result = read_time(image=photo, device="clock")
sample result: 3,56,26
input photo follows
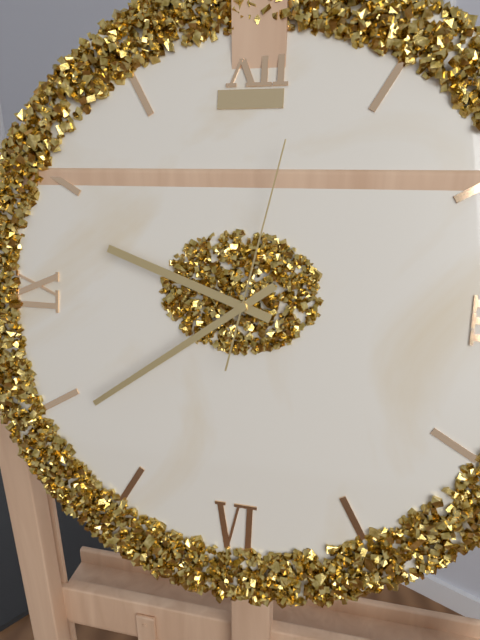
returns 9,39,02
